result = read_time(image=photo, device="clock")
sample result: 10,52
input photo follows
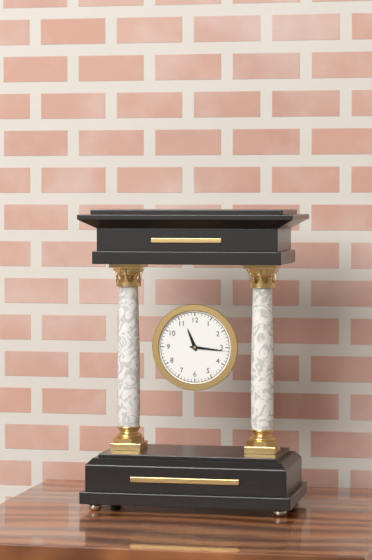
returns 11,16
